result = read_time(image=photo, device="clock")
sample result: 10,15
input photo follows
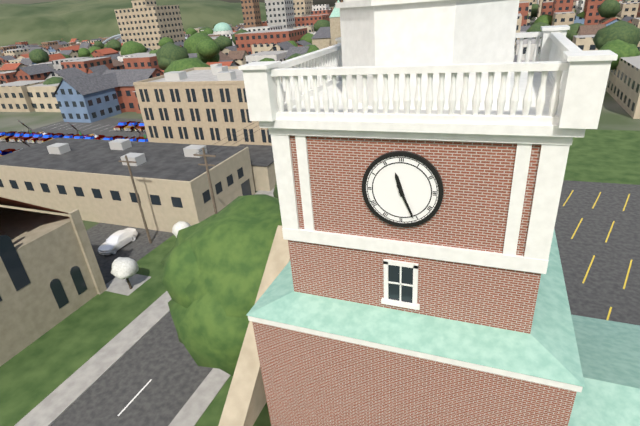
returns 11,26
